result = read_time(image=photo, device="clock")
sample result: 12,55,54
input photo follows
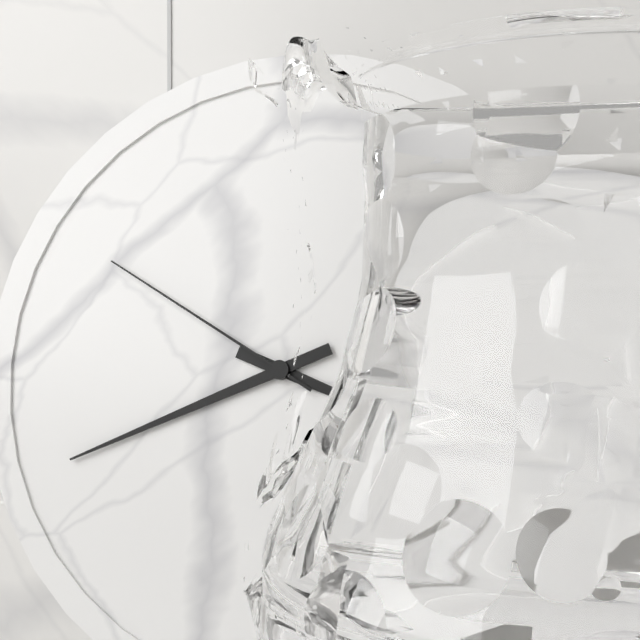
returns 3,41,50
